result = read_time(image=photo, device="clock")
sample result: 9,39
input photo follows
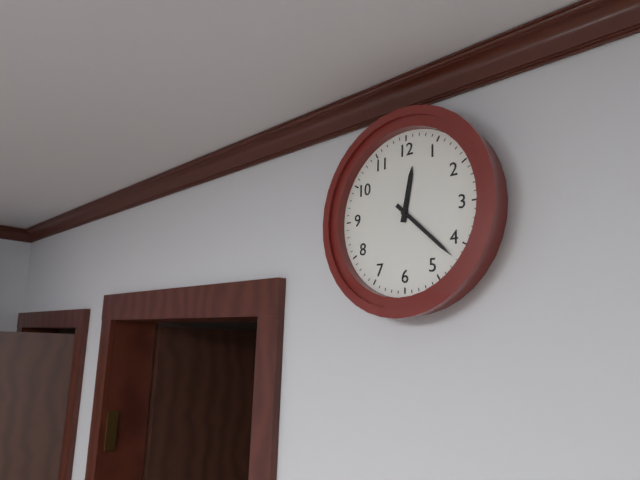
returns 12,22
